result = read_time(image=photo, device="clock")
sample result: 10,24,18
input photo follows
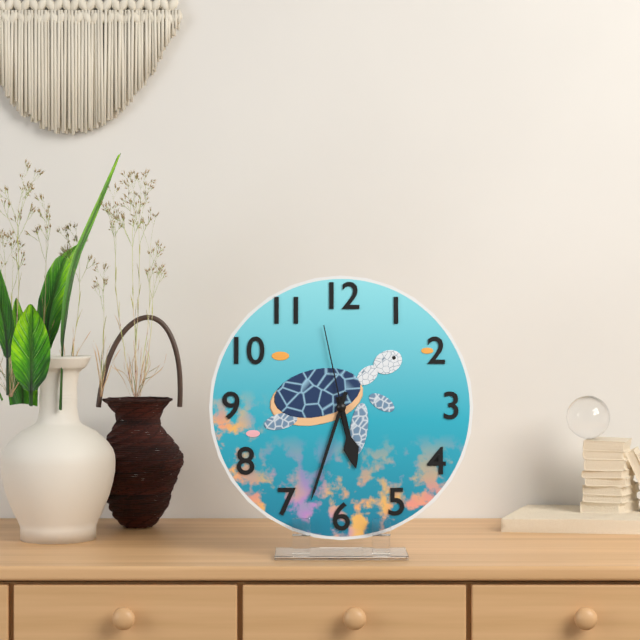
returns 5,33,58
